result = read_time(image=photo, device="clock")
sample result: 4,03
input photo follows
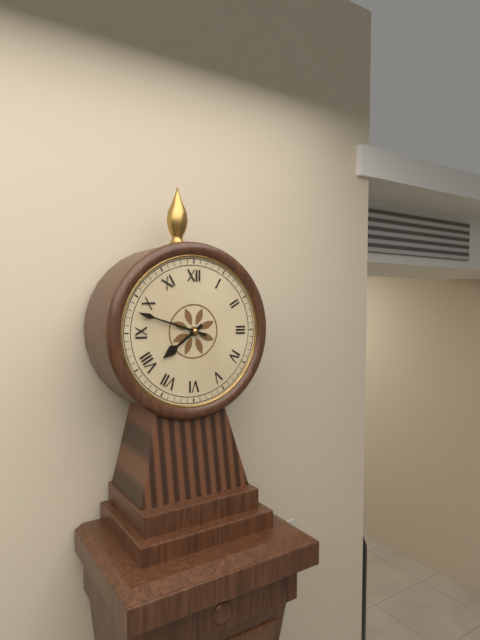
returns 7,48
